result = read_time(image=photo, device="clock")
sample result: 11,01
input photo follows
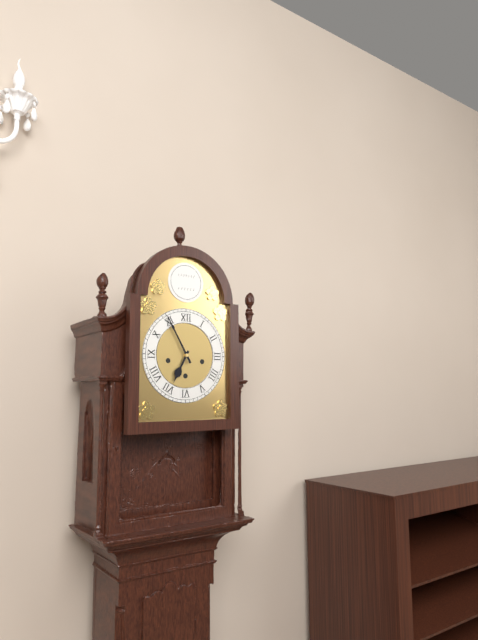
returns 6,55
